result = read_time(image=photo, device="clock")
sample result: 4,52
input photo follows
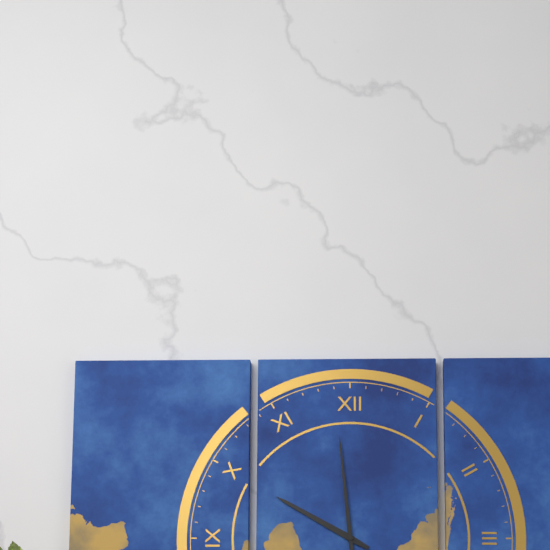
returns 9,59
